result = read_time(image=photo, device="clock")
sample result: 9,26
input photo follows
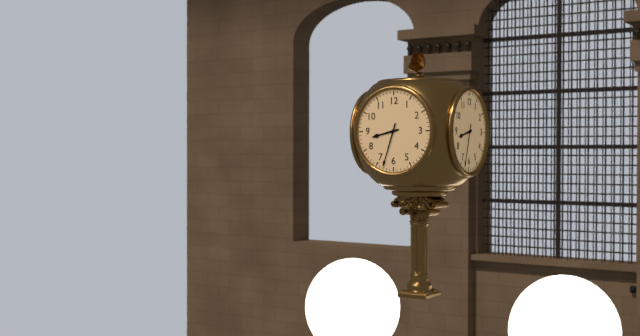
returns 8,33
